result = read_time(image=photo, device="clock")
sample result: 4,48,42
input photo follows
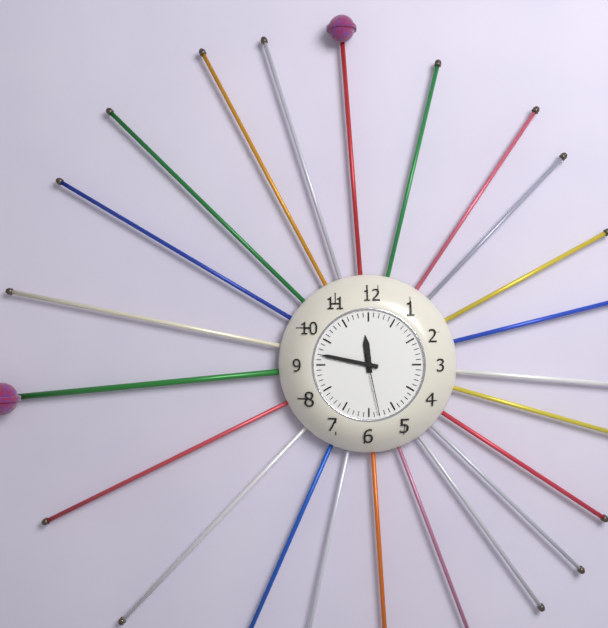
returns 11,47,28
